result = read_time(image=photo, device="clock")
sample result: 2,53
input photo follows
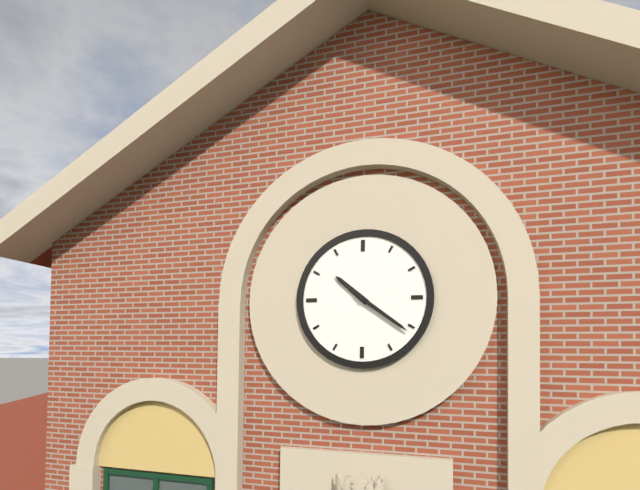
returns 10,21
